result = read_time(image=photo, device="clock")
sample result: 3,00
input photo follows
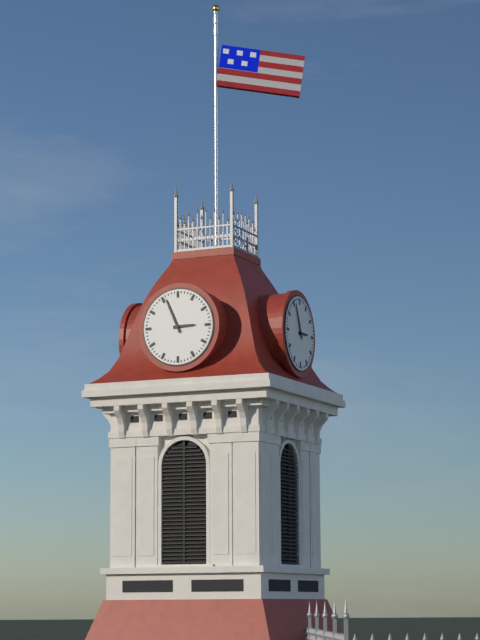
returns 2,56
